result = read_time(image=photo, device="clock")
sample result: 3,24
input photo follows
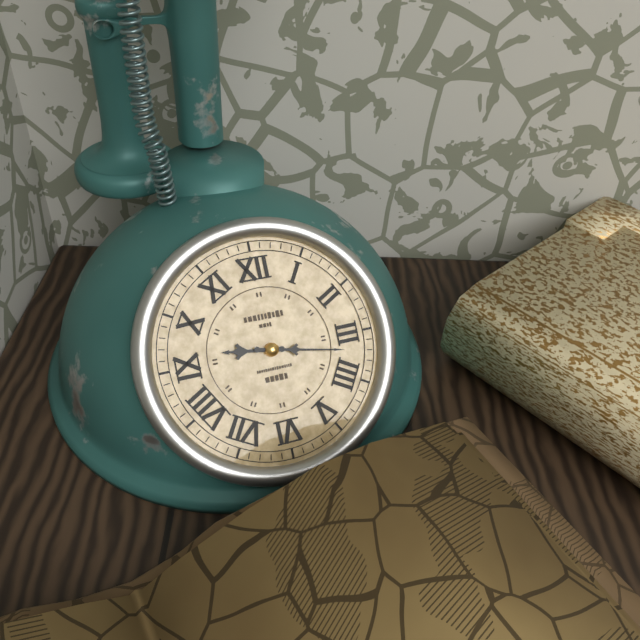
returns 9,17
